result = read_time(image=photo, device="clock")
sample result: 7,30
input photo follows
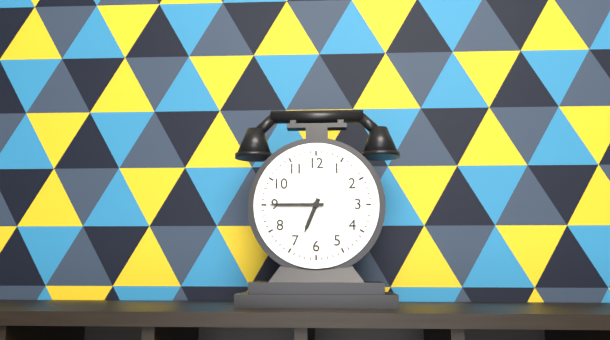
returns 6,45
